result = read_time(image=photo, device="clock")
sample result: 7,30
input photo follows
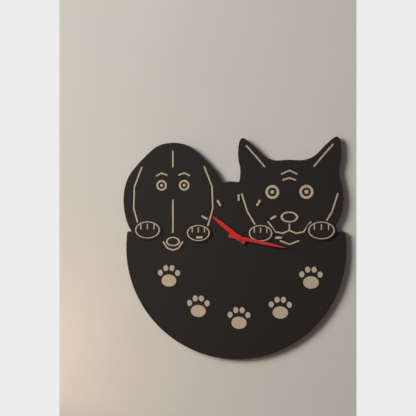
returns 10,17
